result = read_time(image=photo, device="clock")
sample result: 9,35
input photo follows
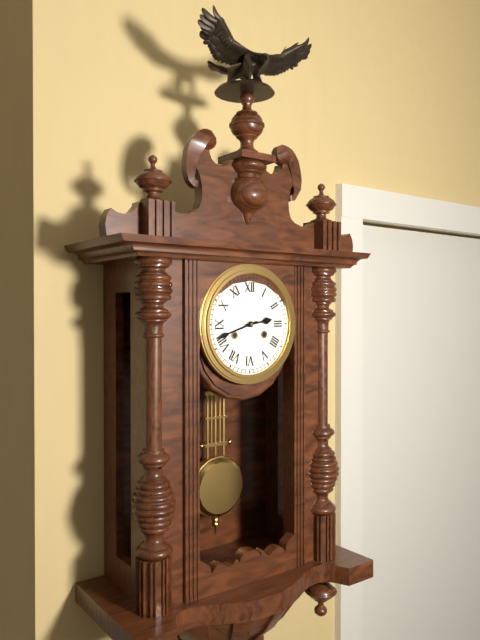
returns 2,42
